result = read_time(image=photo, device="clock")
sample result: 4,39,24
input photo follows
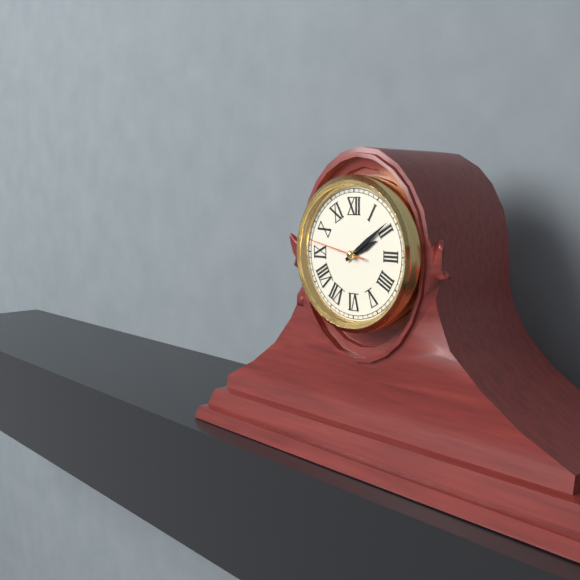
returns 2,09,47
